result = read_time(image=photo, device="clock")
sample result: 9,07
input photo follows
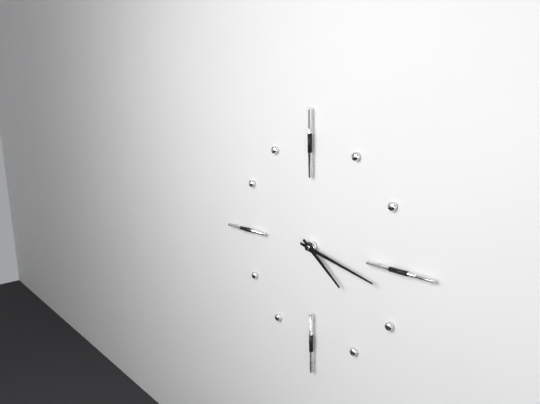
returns 4,17
